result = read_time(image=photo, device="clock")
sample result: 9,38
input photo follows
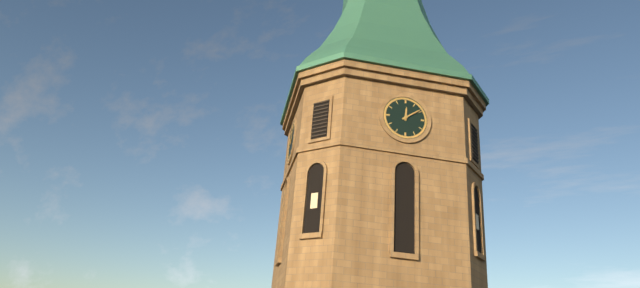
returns 12,09
